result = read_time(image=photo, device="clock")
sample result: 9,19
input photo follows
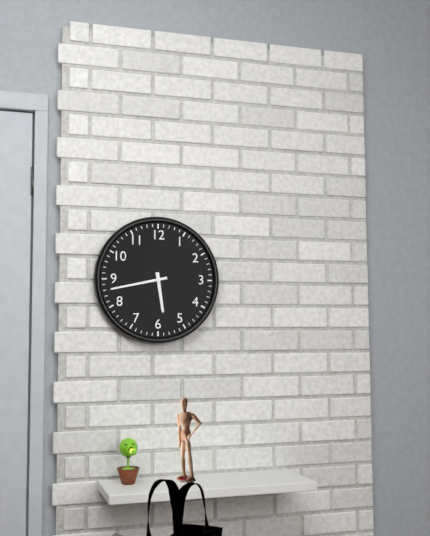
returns 5,43
